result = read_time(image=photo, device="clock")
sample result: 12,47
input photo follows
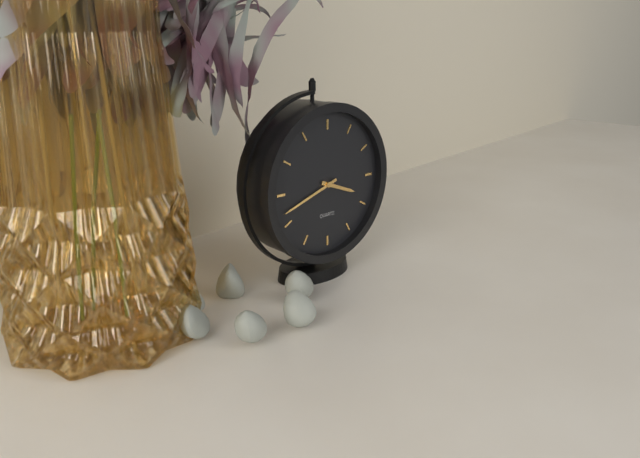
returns 3,42
